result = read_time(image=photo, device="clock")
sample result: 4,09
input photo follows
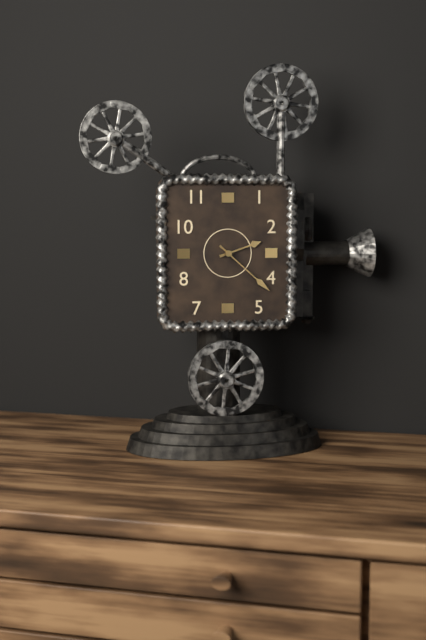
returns 2,22
